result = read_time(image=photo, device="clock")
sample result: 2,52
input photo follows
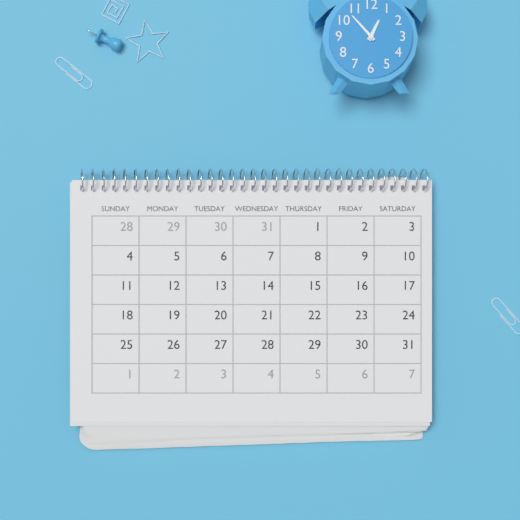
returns 12,53
